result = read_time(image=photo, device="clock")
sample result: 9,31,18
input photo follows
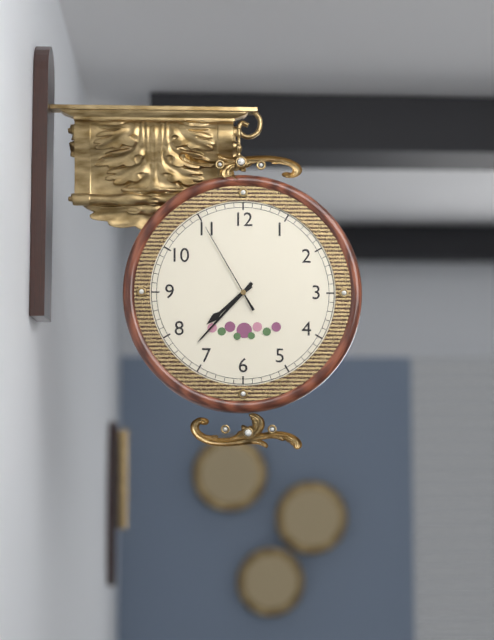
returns 7,37,55
